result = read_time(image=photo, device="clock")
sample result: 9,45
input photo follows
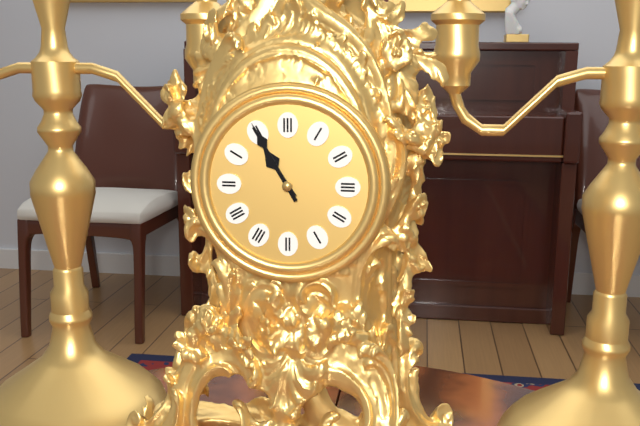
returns 10,55
